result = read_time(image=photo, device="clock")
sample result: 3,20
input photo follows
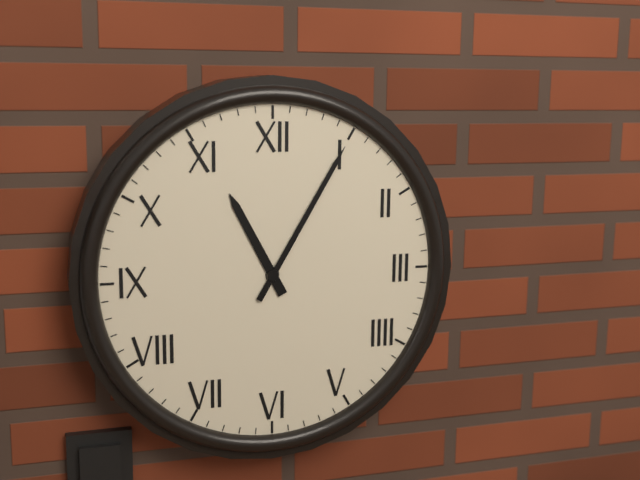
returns 11,05
